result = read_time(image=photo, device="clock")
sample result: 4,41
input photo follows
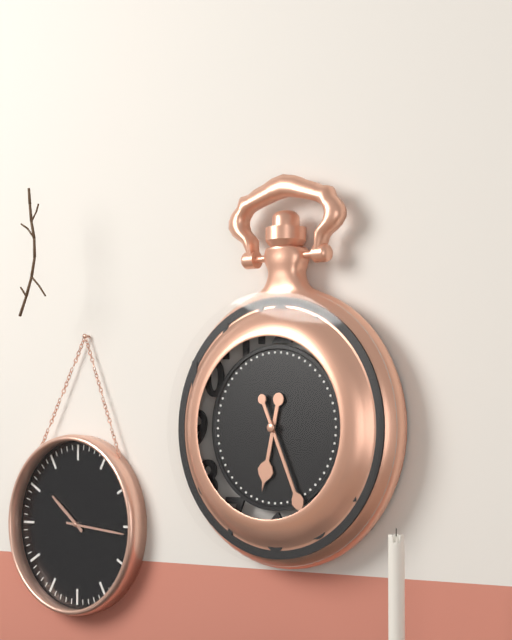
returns 6,26
